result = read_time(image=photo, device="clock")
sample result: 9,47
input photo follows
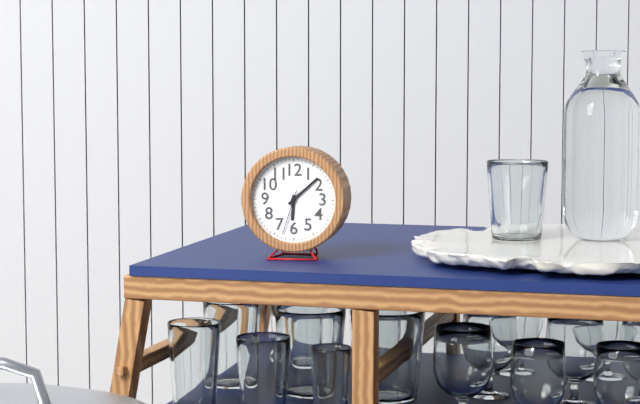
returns 6,08
